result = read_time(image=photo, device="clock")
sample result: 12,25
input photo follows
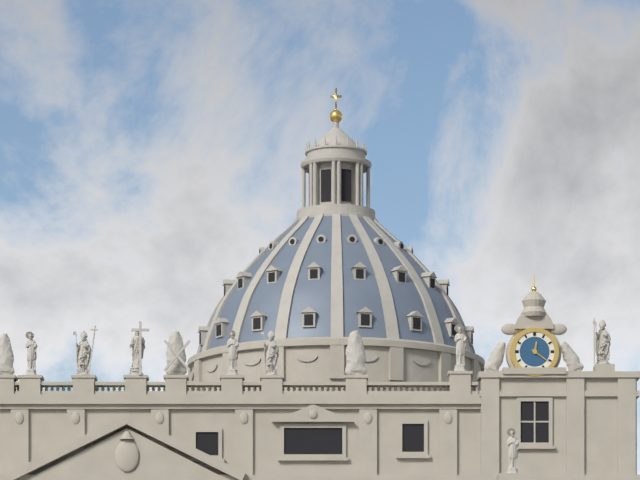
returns 12,21
